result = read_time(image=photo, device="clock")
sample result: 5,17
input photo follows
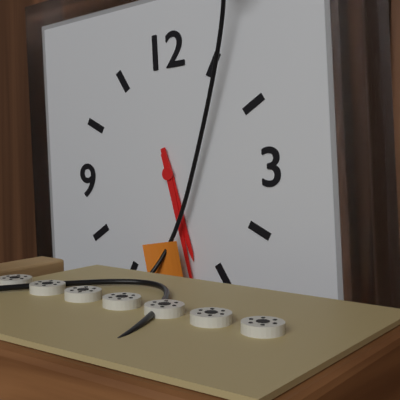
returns 5,28
